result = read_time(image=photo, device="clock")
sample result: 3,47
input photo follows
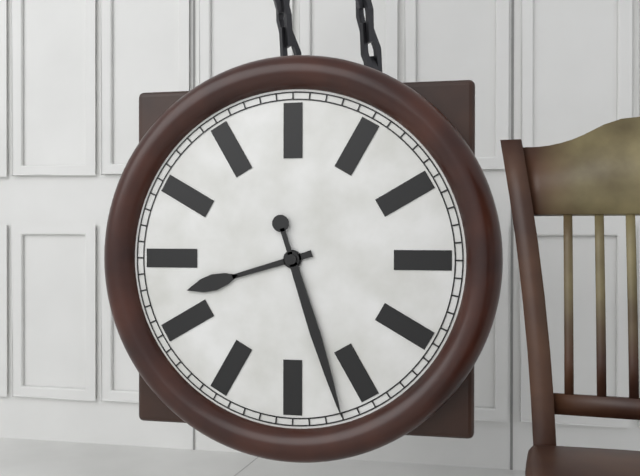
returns 8,27
